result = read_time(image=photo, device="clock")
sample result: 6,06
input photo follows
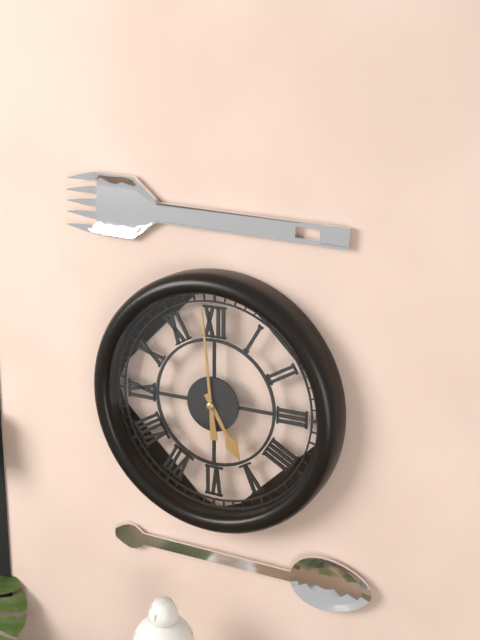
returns 4,59
